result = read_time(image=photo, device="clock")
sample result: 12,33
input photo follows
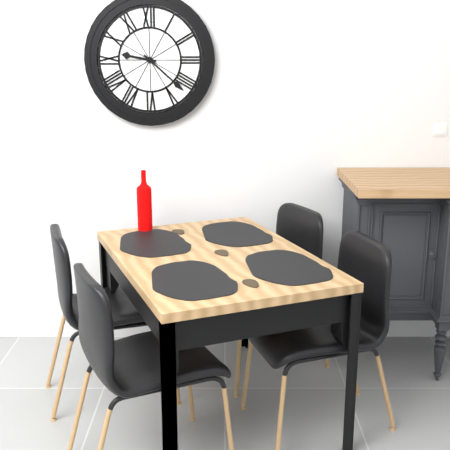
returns 9,22
